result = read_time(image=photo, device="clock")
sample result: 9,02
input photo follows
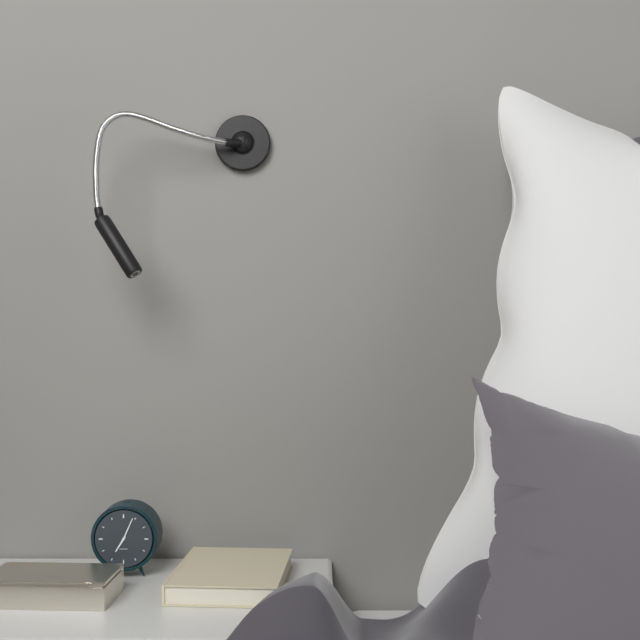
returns 7,04
